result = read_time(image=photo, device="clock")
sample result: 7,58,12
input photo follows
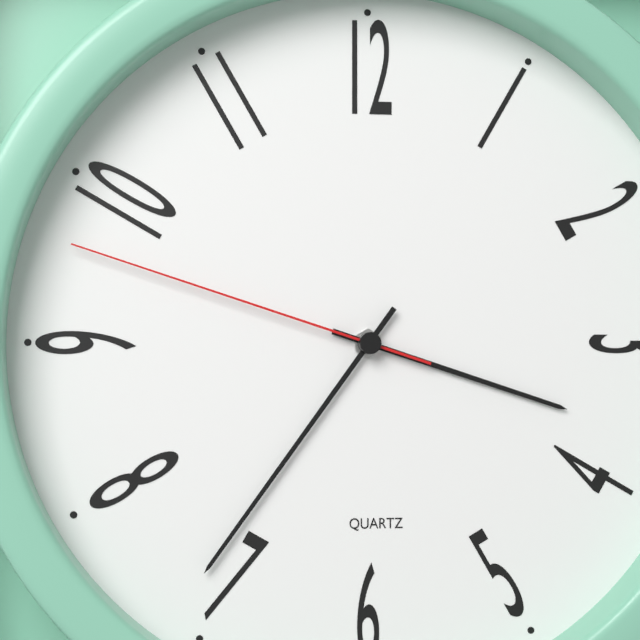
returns 3,36,48
